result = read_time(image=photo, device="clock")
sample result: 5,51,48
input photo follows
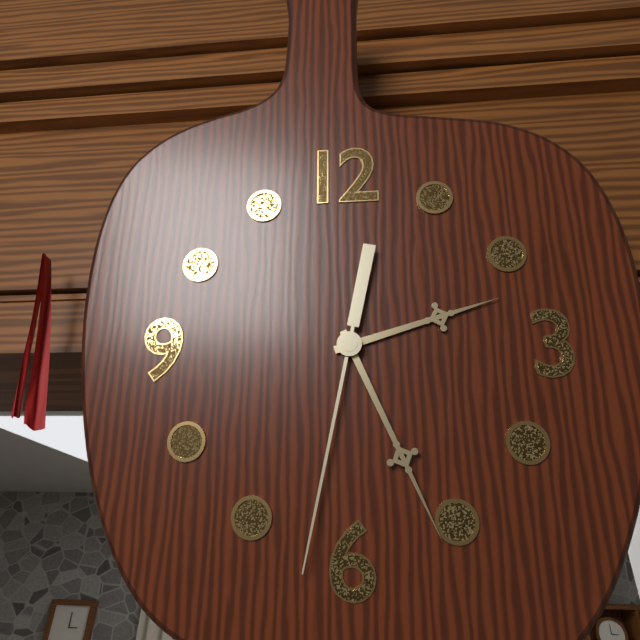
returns 2,26,32
